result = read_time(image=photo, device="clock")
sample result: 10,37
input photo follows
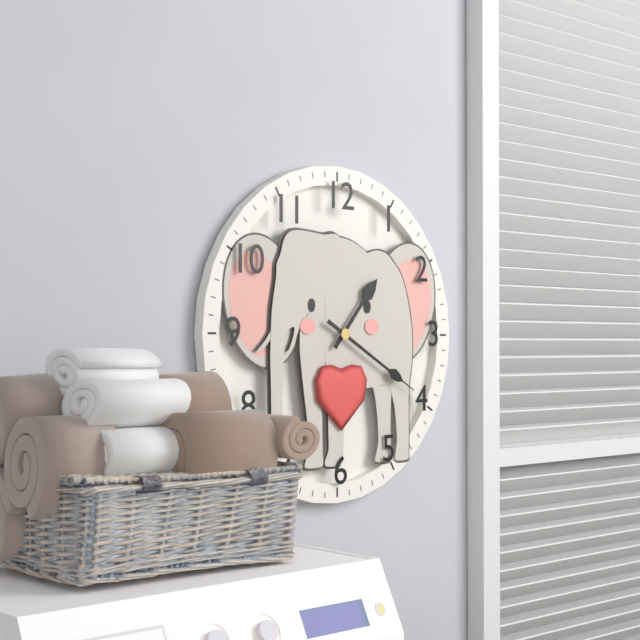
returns 1,20
